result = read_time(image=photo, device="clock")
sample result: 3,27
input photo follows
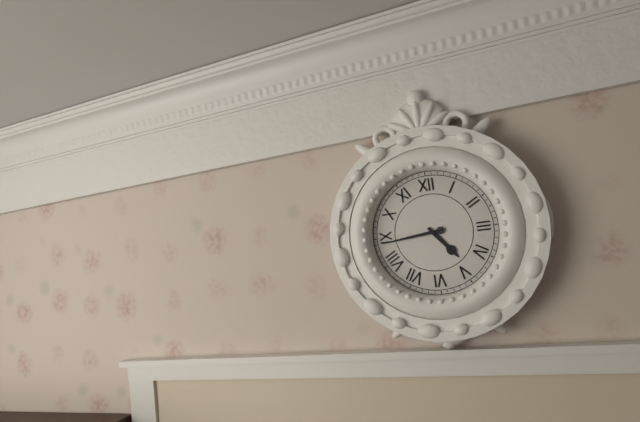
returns 4,44
